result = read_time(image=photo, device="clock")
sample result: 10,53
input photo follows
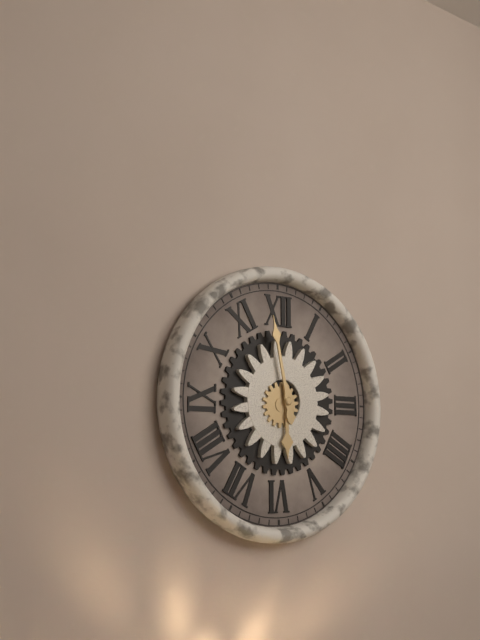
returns 5,58
